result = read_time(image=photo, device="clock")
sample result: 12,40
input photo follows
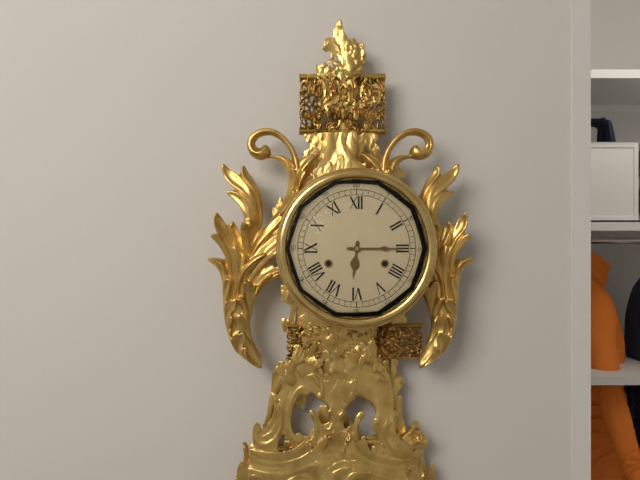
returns 6,15
